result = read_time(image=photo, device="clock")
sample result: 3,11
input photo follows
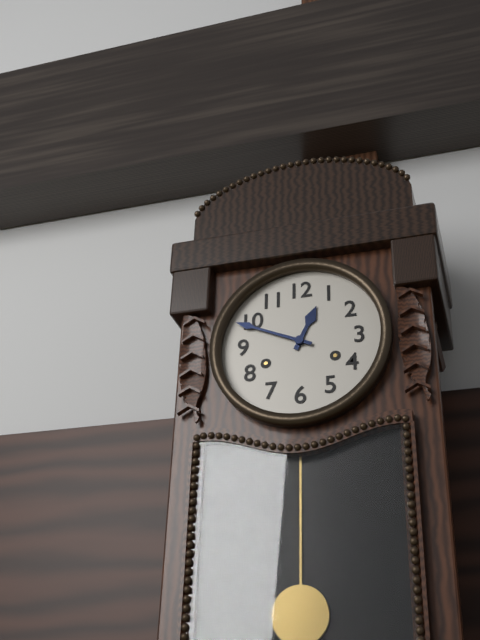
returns 12,49
